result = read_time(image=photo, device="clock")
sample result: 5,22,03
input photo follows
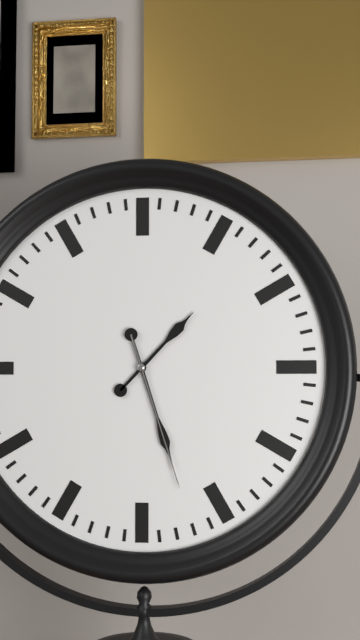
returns 1,27,27
